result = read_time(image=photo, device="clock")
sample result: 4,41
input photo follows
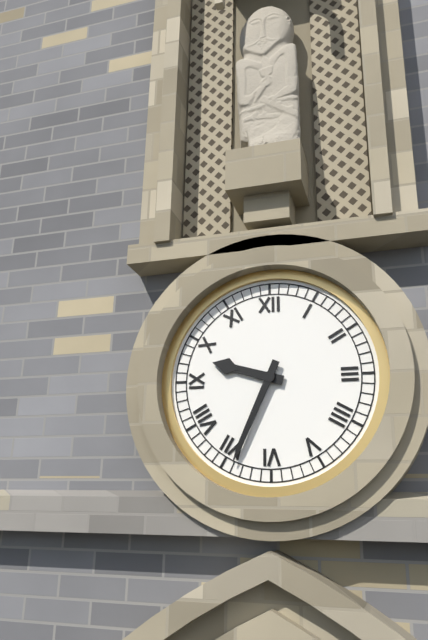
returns 9,34
